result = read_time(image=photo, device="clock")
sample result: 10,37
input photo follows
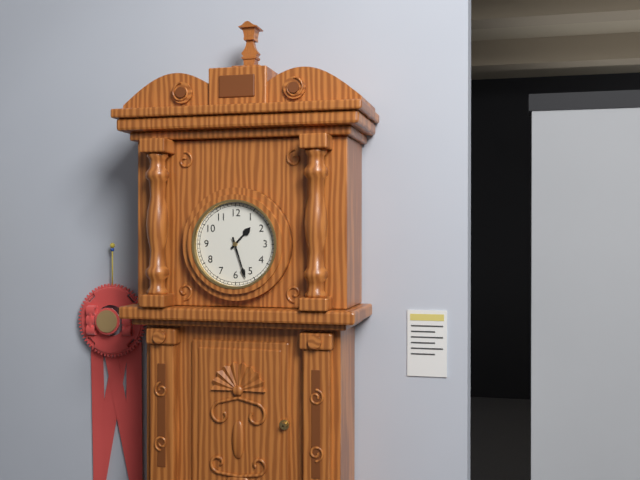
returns 1,27
